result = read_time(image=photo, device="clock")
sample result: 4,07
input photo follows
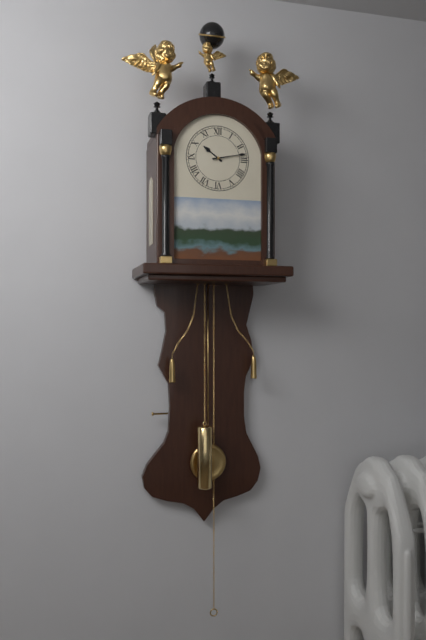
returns 10,13
